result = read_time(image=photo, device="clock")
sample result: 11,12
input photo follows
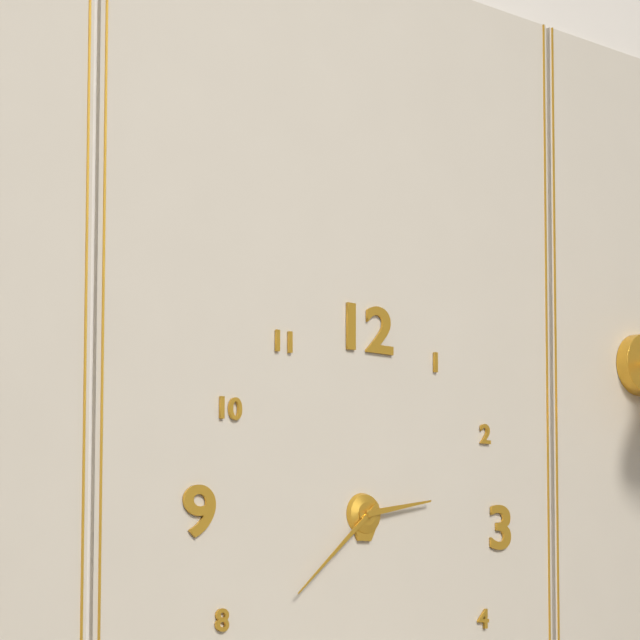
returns 2,38
